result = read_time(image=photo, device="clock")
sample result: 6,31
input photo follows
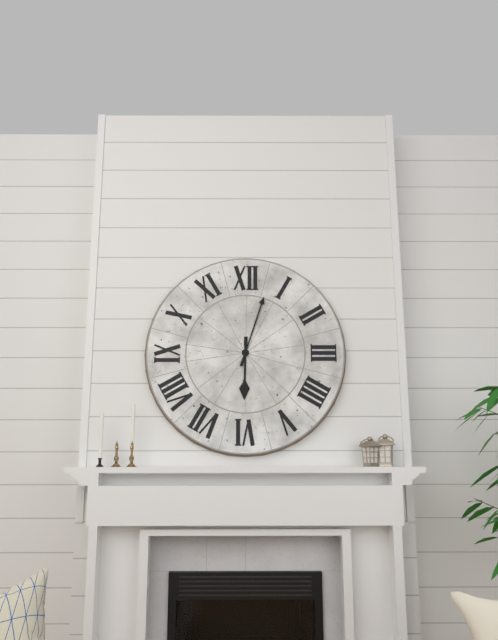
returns 6,03
